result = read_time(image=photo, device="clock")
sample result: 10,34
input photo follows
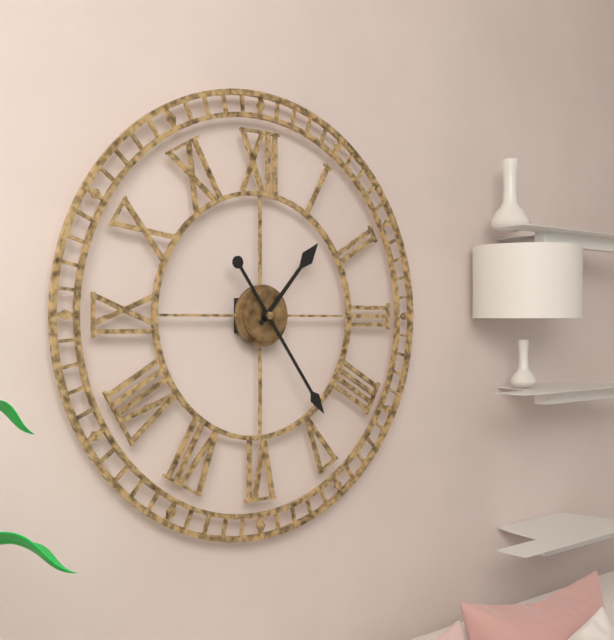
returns 1,24
